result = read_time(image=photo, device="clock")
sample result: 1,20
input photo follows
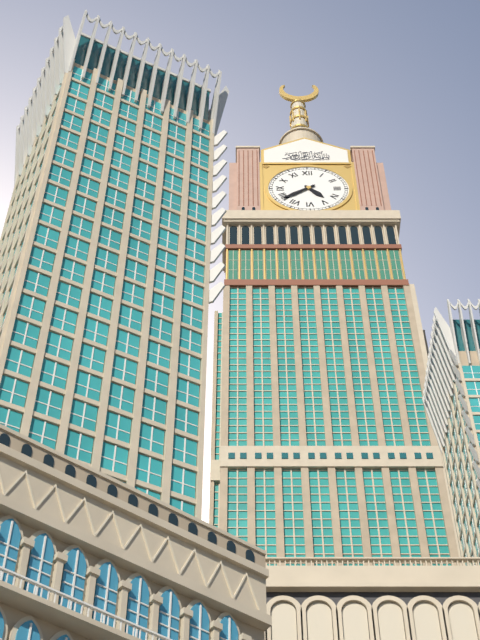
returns 4,39
